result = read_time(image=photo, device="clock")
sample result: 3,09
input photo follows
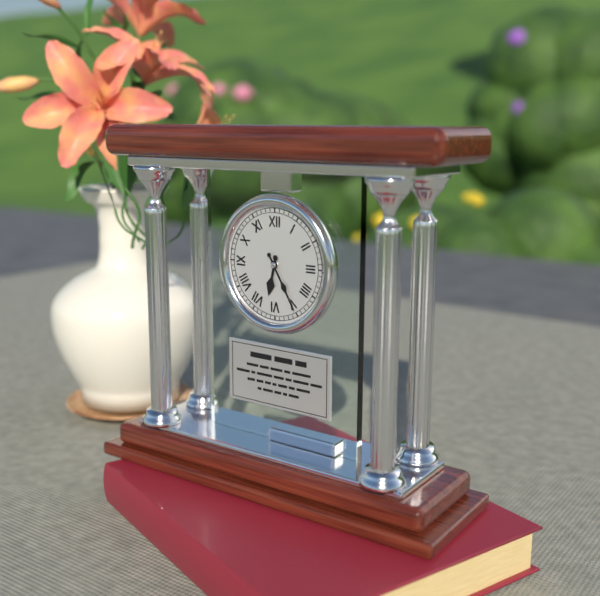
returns 6,25
